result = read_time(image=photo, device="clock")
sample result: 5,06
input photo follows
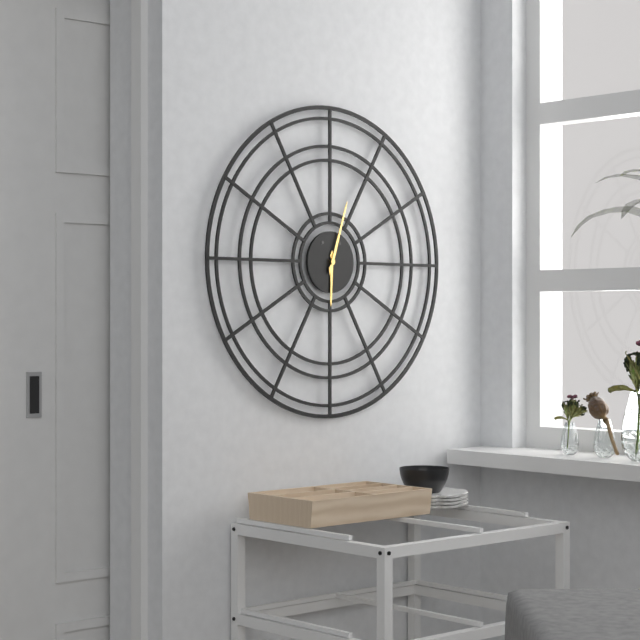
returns 6,03
